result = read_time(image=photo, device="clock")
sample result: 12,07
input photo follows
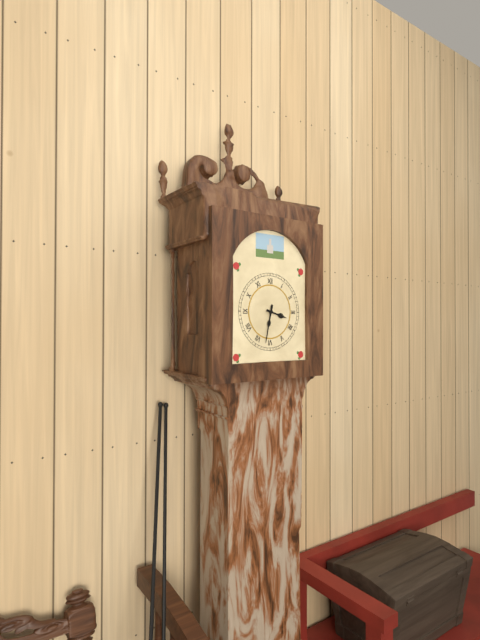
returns 3,32
